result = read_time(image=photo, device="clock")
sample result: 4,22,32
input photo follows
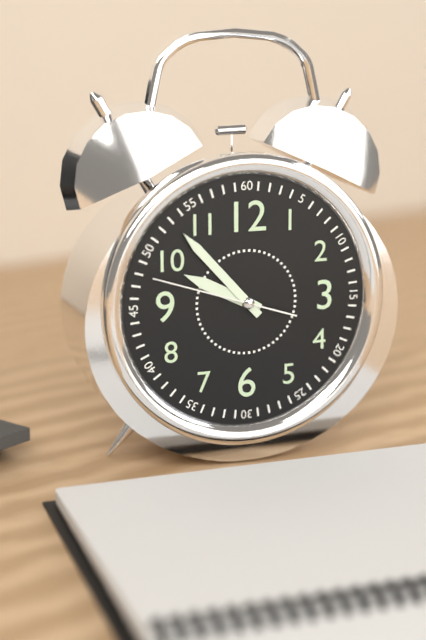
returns 9,53,48
